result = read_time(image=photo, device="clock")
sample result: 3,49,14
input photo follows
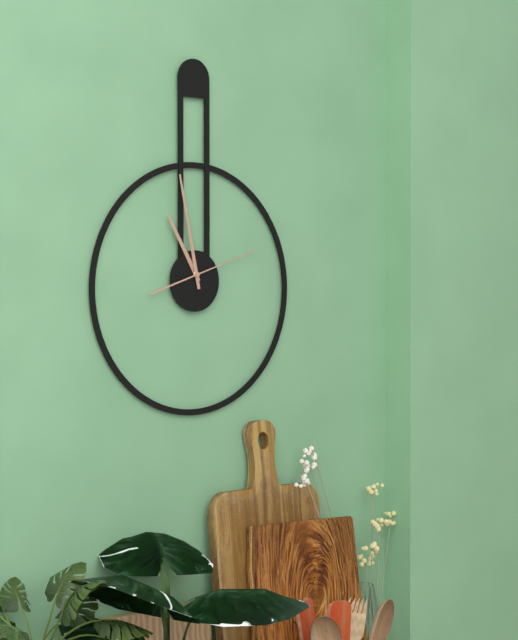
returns 10,58,12
